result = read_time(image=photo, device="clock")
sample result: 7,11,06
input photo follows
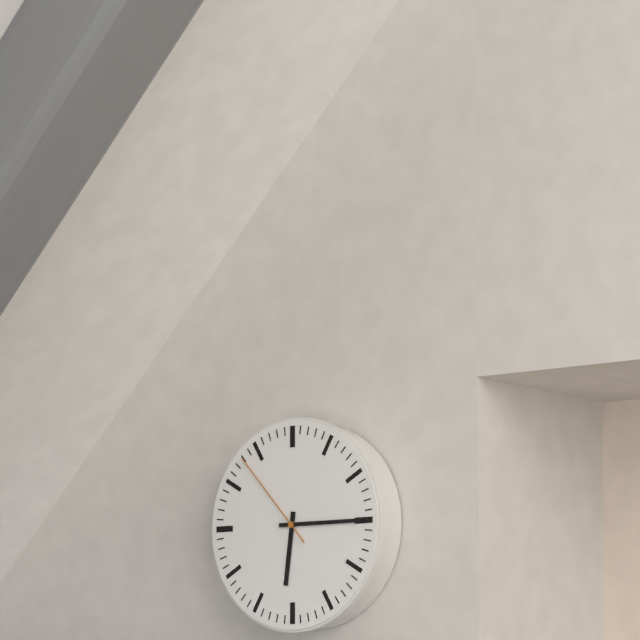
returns 6,15,53
